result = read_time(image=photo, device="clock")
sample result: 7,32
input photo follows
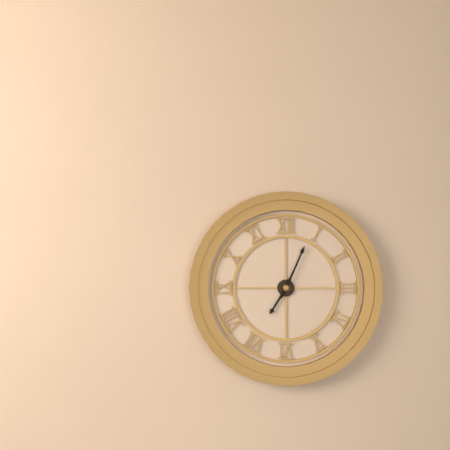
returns 7,04
